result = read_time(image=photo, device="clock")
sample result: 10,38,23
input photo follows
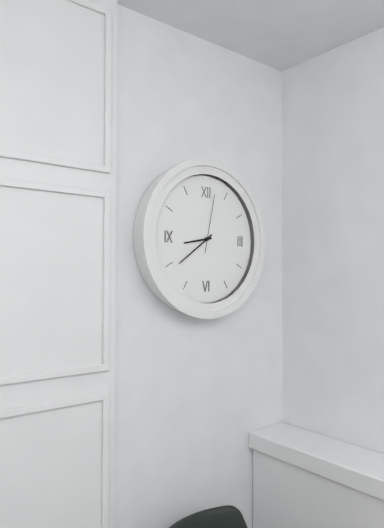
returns 8,39,02
